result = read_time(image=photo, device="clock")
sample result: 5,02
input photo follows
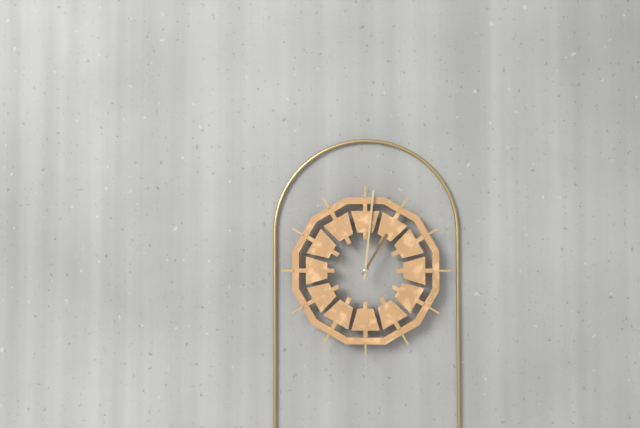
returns 1,01
